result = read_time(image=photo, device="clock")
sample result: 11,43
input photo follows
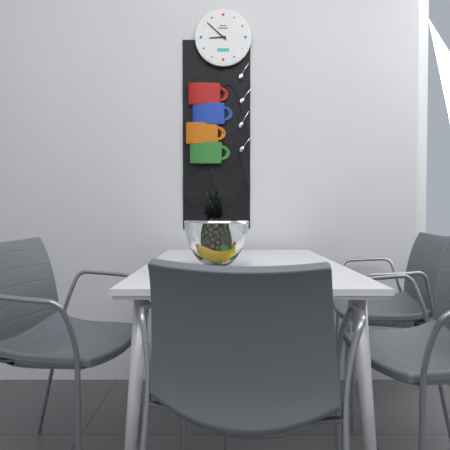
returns 8,52
